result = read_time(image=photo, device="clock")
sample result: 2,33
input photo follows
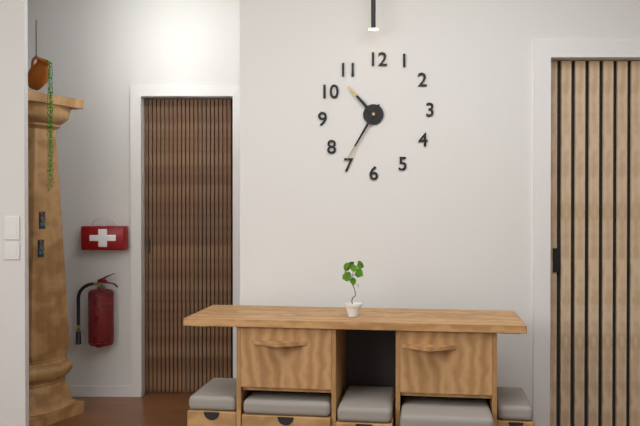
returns 10,35
